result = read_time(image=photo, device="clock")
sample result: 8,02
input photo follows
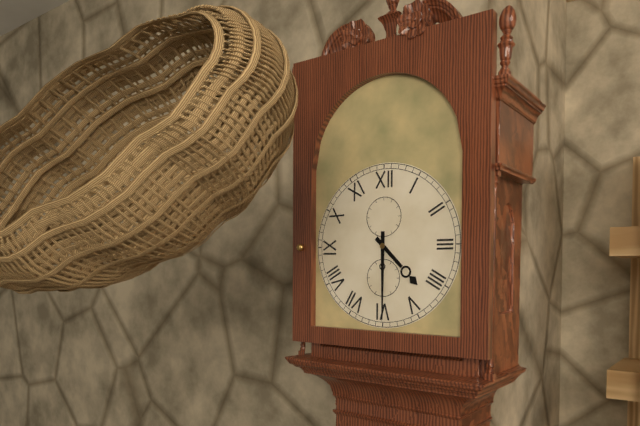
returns 4,30
